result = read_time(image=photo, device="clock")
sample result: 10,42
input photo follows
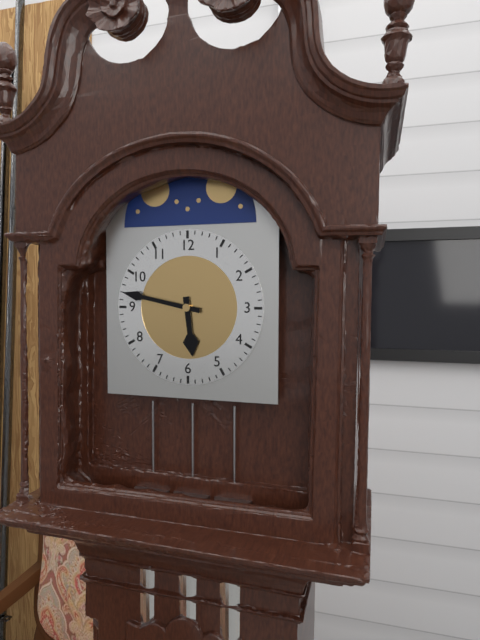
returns 5,47
